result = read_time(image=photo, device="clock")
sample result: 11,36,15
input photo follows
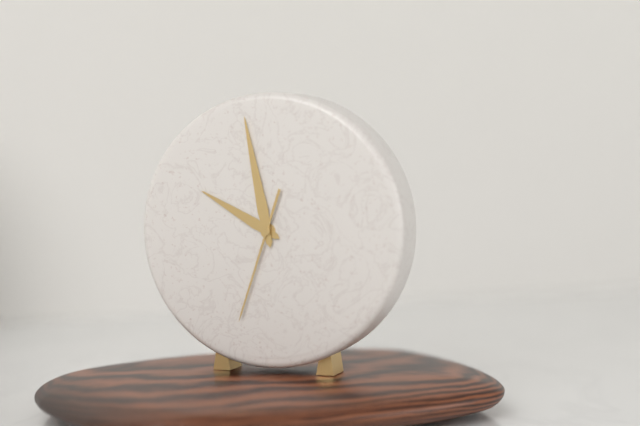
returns 9,58,33
